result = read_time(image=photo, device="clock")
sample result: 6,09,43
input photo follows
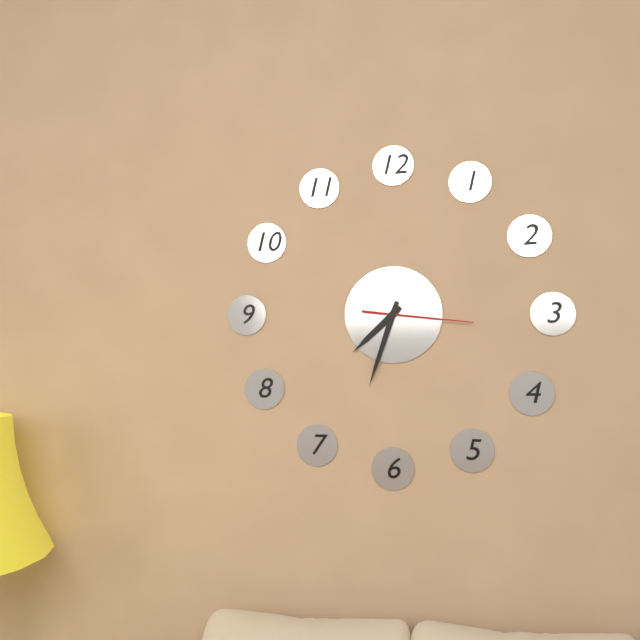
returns 7,33,16
